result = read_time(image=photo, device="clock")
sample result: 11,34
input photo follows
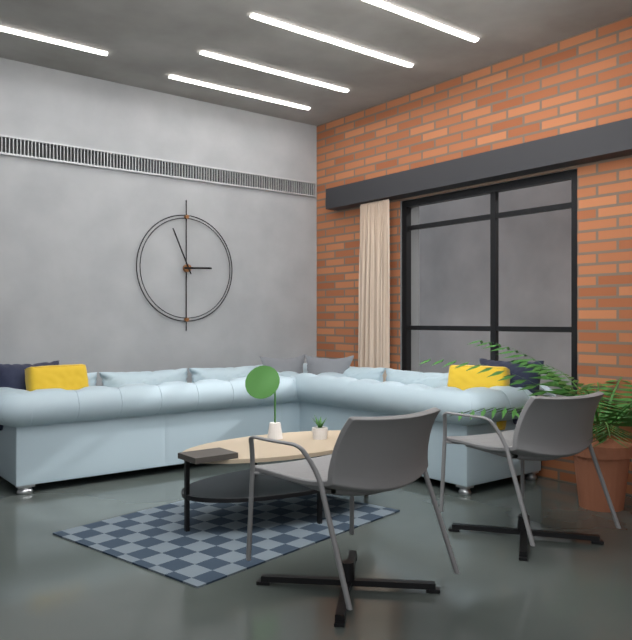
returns 2,56
